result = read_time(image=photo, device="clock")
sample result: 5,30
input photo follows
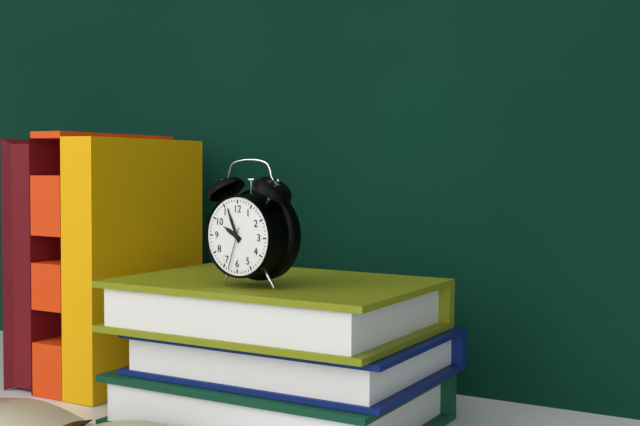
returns 9,56
